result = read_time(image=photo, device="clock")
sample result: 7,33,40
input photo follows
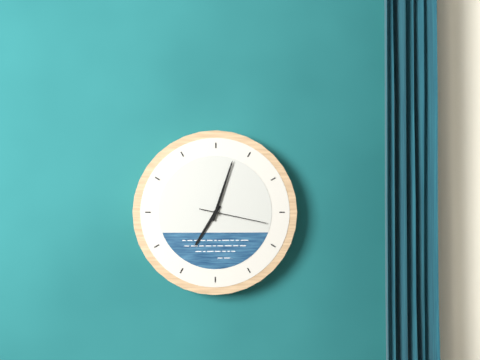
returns 7,03,17
